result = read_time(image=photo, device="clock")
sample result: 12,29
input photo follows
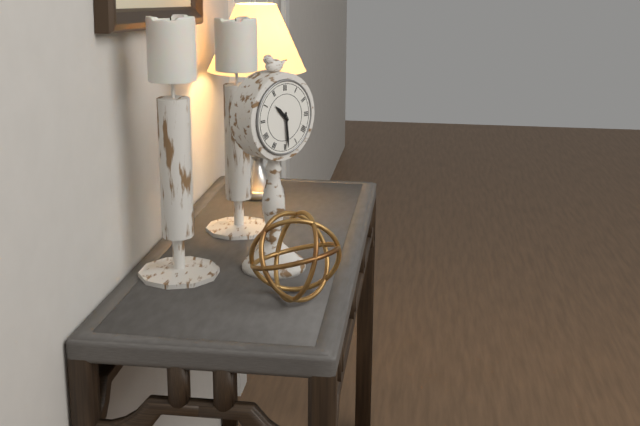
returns 10,29
